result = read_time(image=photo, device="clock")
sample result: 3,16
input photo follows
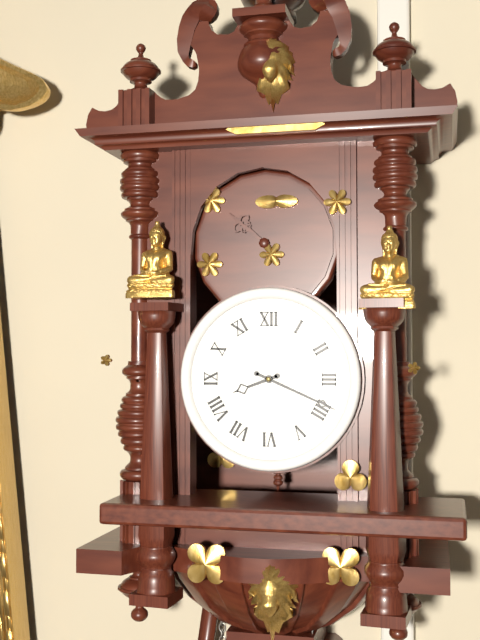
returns 8,19
